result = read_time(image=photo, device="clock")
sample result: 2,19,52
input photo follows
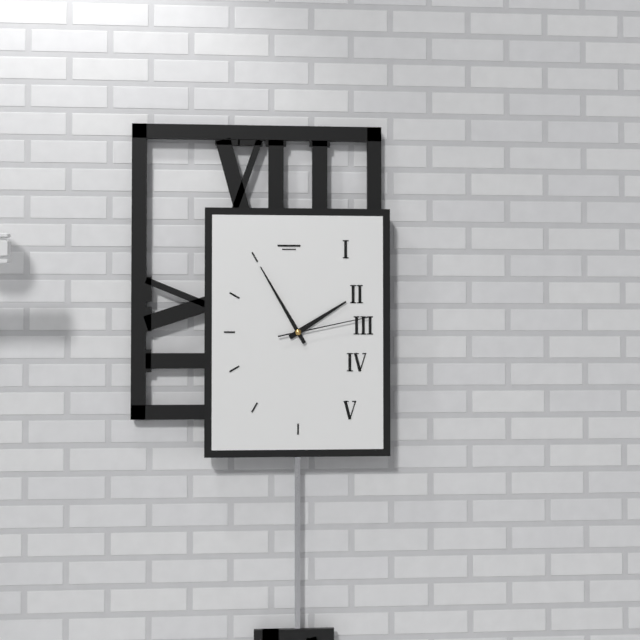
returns 1,55,13
